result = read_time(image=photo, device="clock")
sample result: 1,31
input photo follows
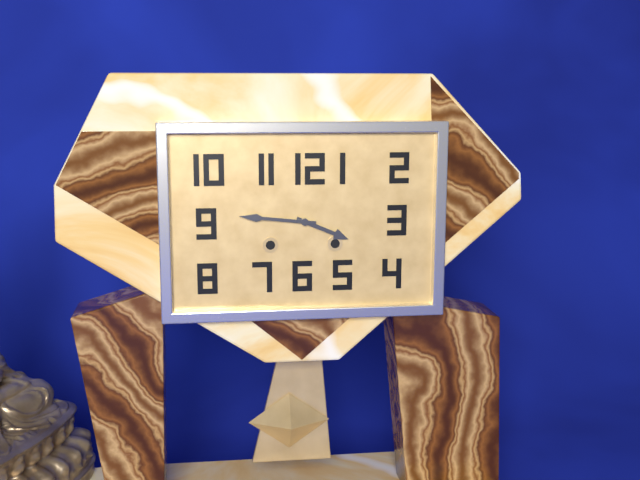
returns 3,46
